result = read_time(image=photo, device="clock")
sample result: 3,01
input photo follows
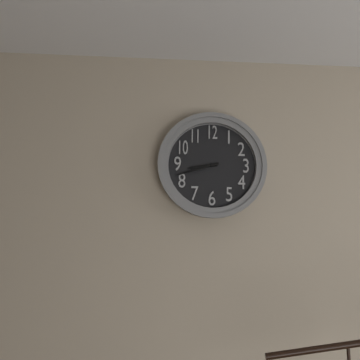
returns 8,42
